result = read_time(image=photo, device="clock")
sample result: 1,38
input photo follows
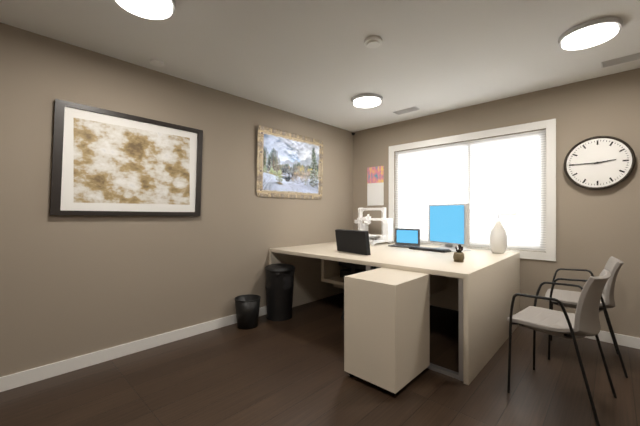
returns 2,45
